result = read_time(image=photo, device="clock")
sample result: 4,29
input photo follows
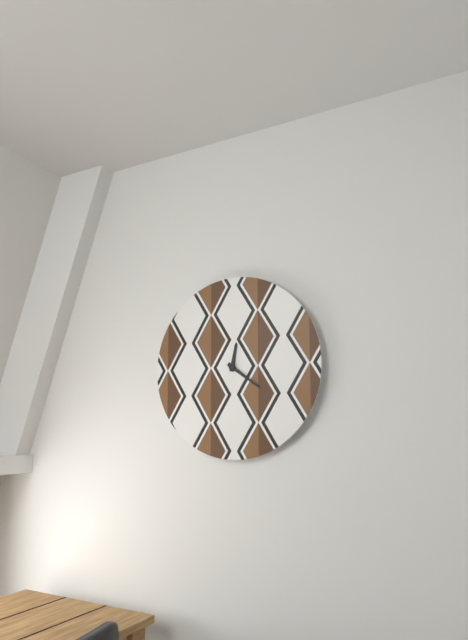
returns 12,21
